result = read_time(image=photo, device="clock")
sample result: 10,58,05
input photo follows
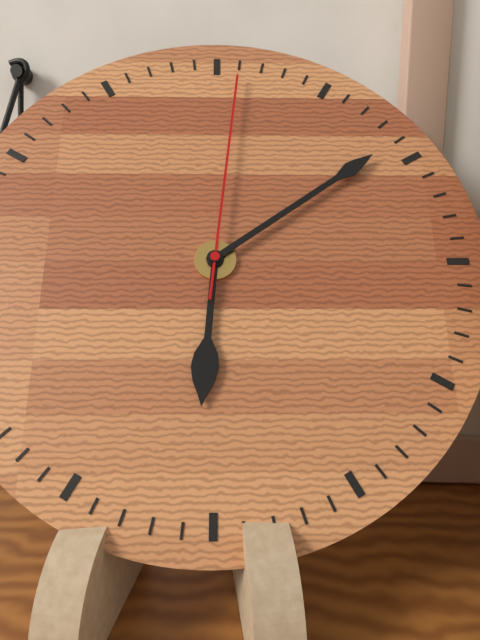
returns 6,09,01
